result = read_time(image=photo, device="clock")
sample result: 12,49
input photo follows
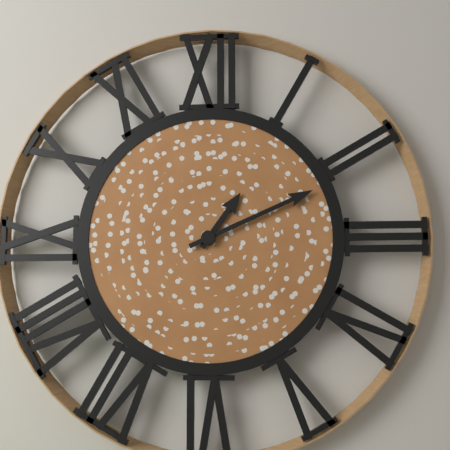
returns 1,11
